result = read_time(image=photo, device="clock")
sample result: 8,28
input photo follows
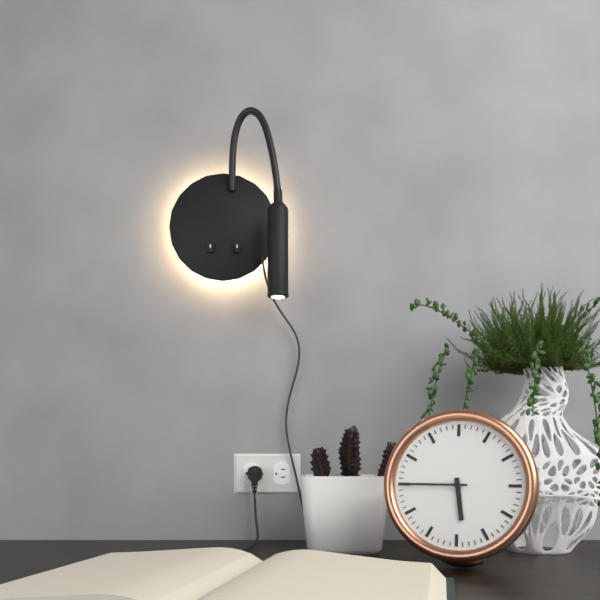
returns 5,45
